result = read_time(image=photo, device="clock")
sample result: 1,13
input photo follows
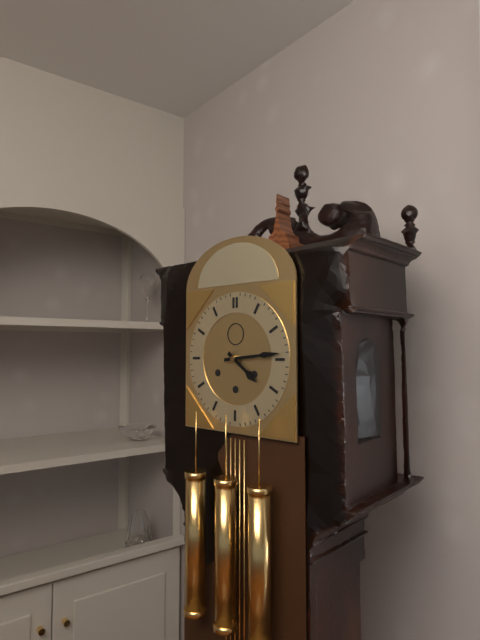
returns 4,14
